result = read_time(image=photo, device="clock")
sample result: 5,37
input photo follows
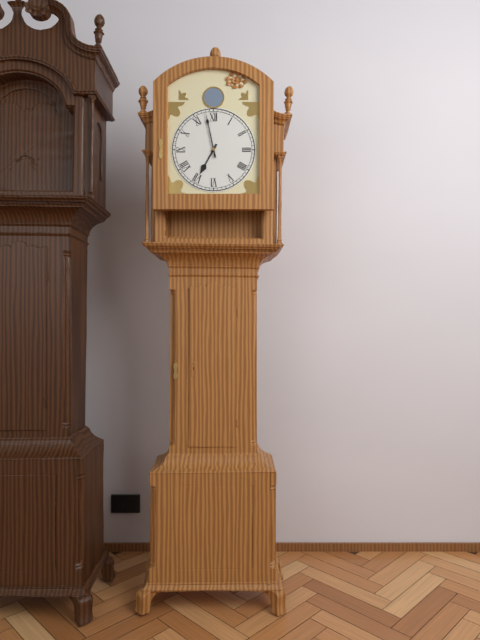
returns 6,58
